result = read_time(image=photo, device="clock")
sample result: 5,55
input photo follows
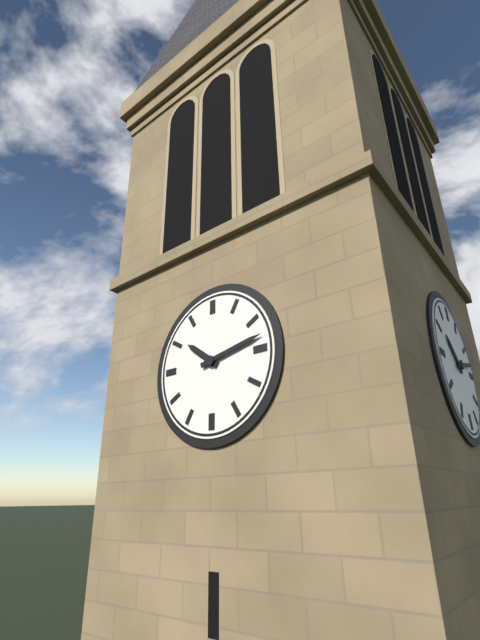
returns 10,13
